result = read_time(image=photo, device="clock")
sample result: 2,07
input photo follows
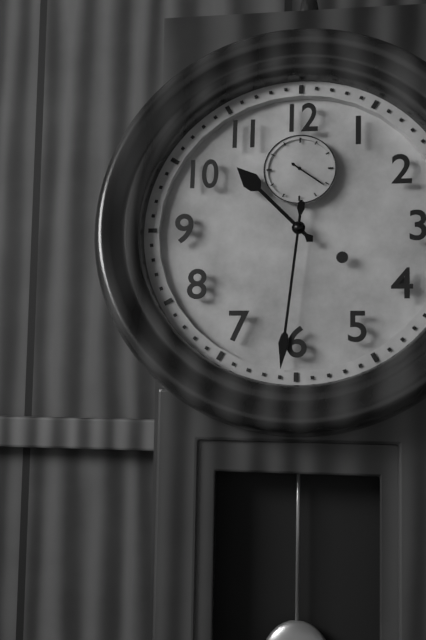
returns 10,31
